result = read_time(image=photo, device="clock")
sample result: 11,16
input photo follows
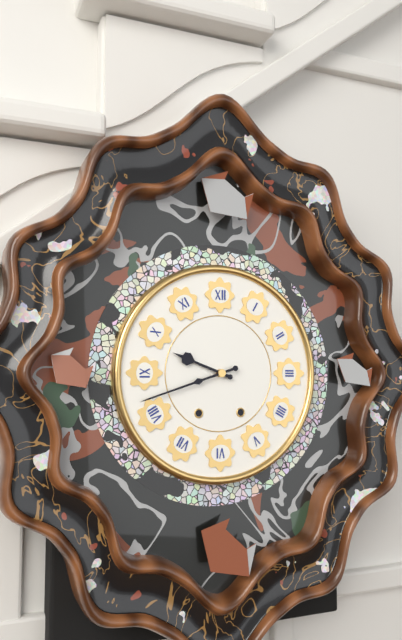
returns 9,42
